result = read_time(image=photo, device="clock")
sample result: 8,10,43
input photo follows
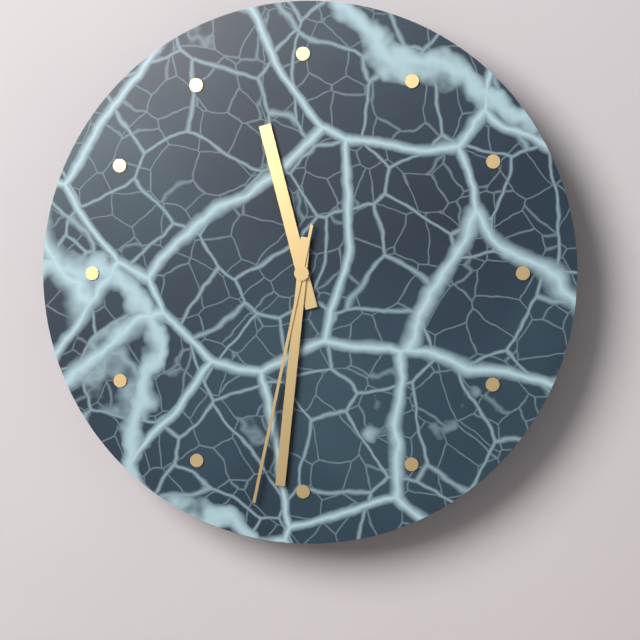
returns 11,31,32
